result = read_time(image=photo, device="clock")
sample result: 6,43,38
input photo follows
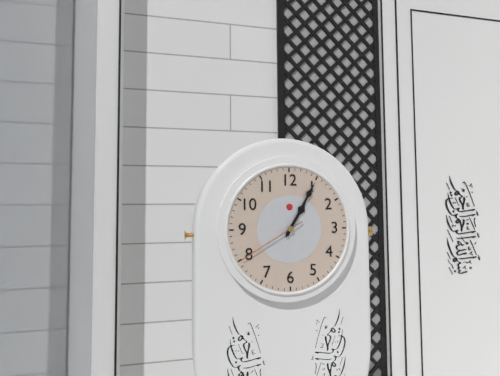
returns 1,05,40
